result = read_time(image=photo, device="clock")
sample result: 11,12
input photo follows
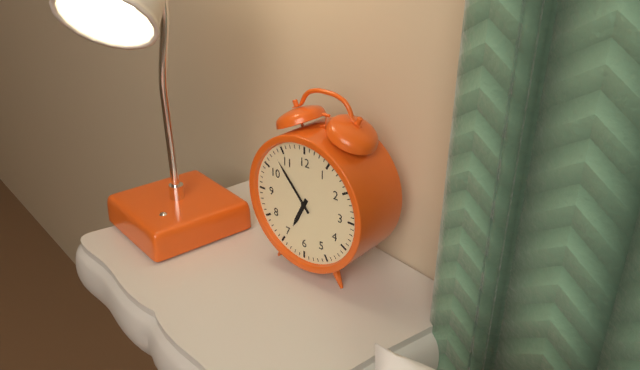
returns 6,53
